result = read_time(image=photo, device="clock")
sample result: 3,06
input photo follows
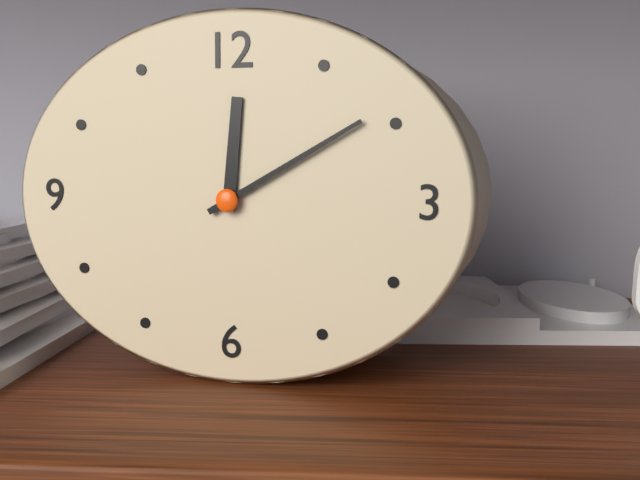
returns 12,10
